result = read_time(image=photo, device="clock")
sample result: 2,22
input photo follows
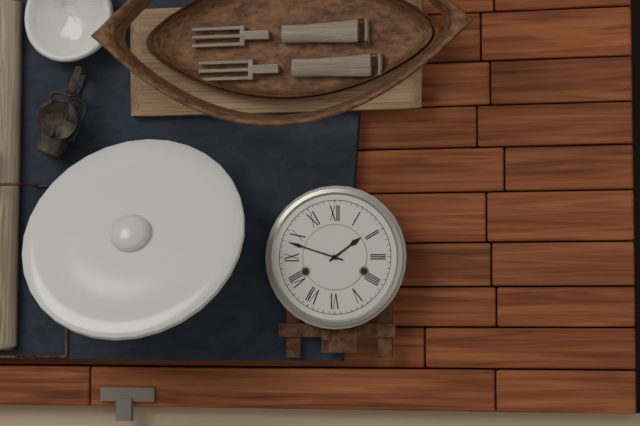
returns 1,48
